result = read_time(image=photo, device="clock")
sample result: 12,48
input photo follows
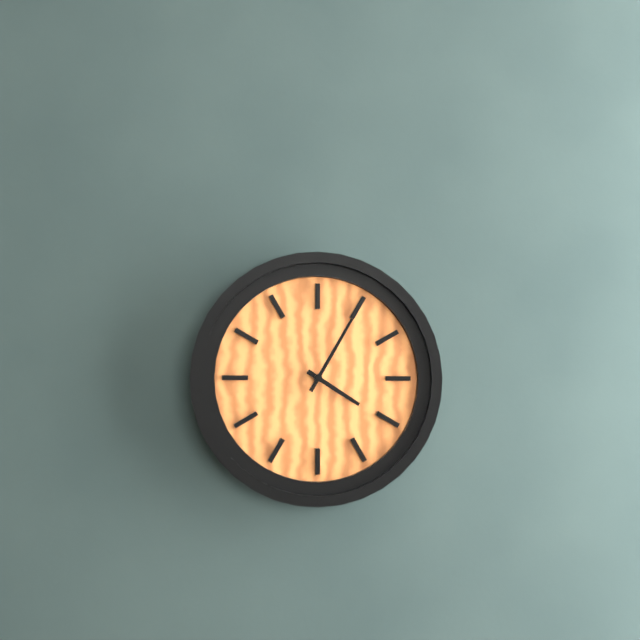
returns 4,05
